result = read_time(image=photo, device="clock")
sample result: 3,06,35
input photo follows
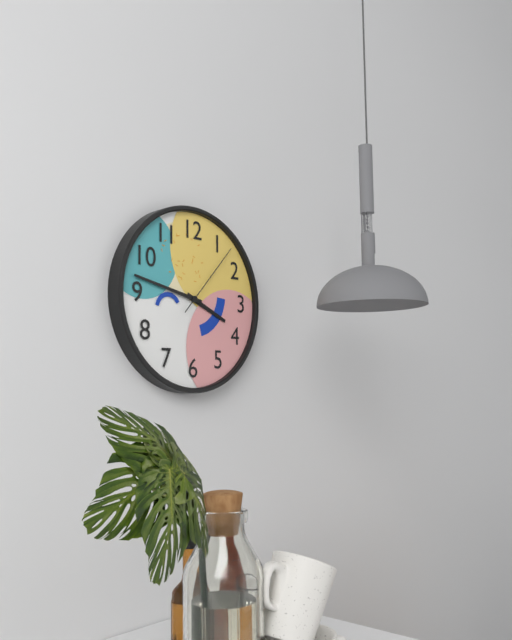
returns 3,47,07
